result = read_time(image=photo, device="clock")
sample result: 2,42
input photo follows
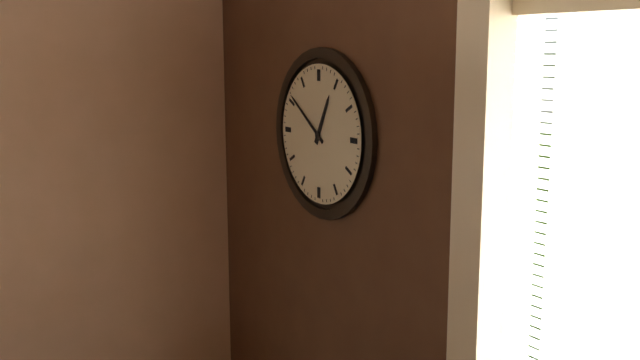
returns 12,51
